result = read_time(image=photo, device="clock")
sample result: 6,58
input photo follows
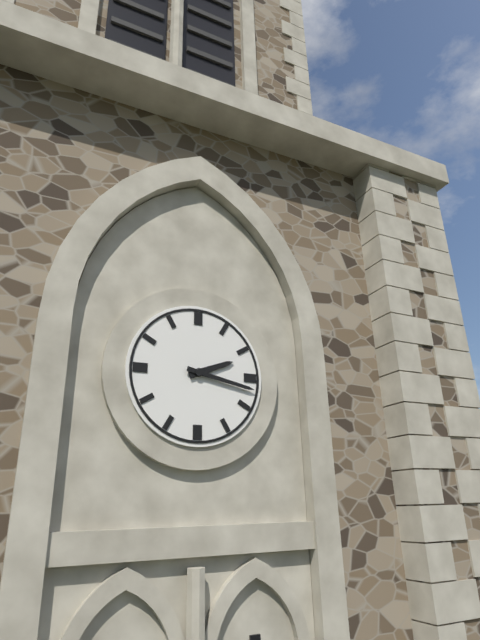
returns 2,17
